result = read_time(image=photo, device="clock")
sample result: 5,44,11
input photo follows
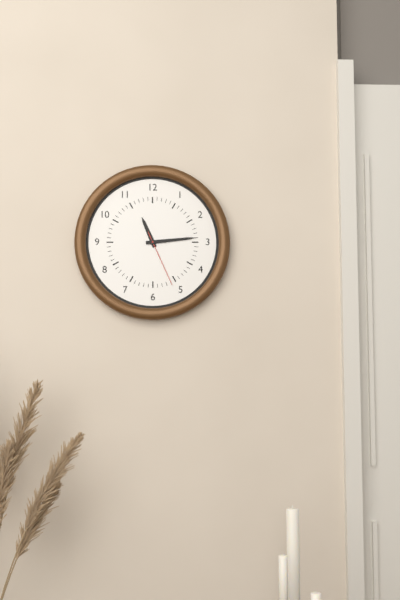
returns 11,14,26
